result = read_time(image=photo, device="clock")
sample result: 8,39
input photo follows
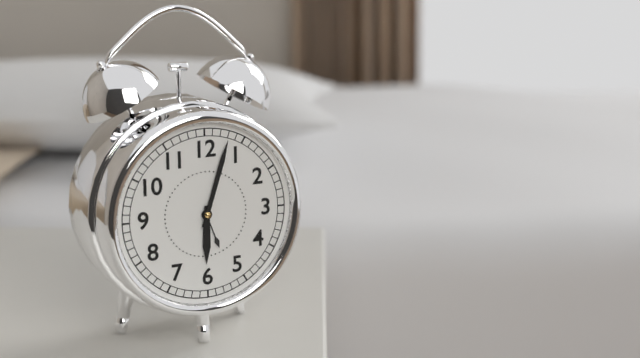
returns 6,03
